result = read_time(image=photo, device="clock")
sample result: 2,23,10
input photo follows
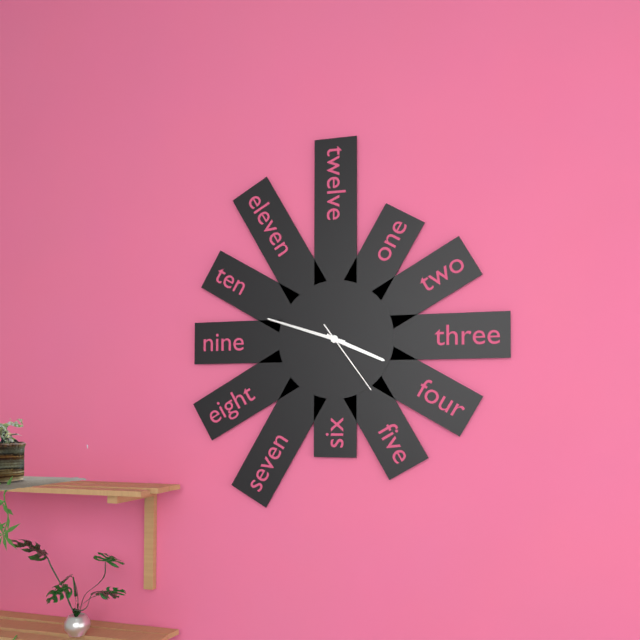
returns 3,48,24
